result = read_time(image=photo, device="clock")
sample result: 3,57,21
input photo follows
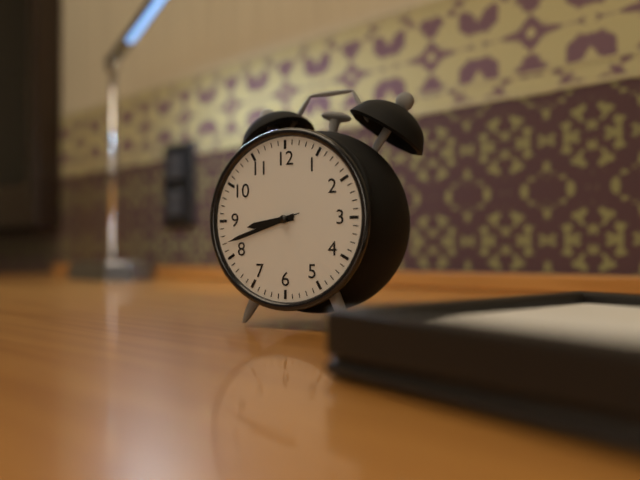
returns 8,42,42
